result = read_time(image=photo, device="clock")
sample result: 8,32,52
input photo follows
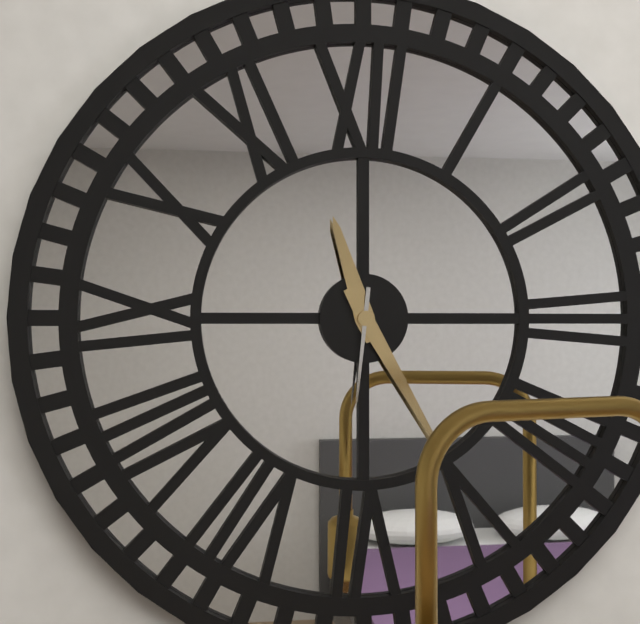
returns 11,25,31
